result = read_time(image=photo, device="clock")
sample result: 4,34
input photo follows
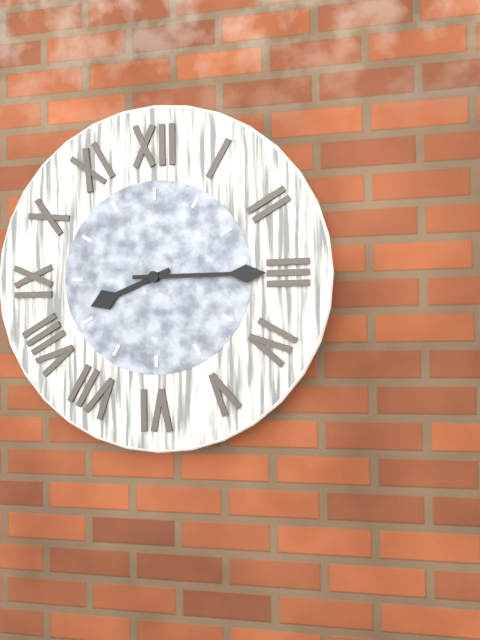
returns 8,15
